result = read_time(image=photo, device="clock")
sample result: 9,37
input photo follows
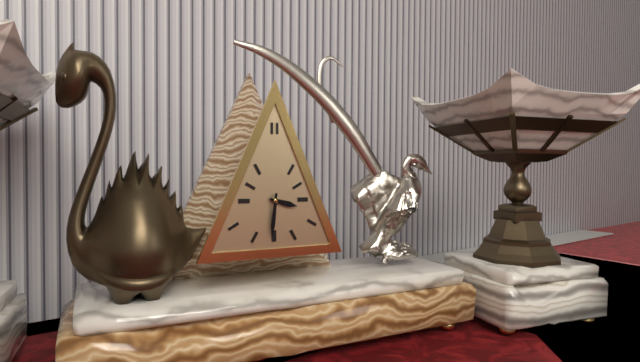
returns 3,31
